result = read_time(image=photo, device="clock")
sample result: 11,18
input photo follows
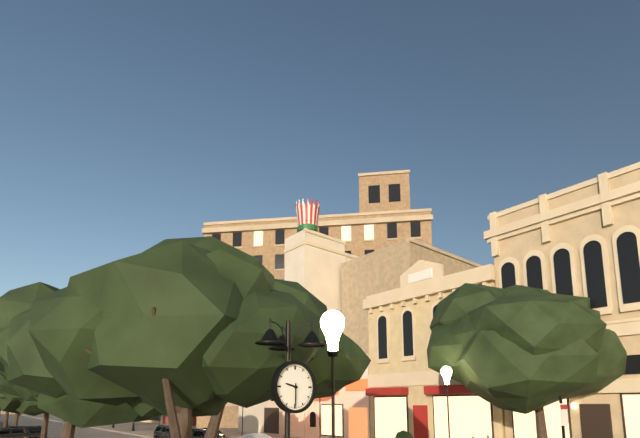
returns 9,30
